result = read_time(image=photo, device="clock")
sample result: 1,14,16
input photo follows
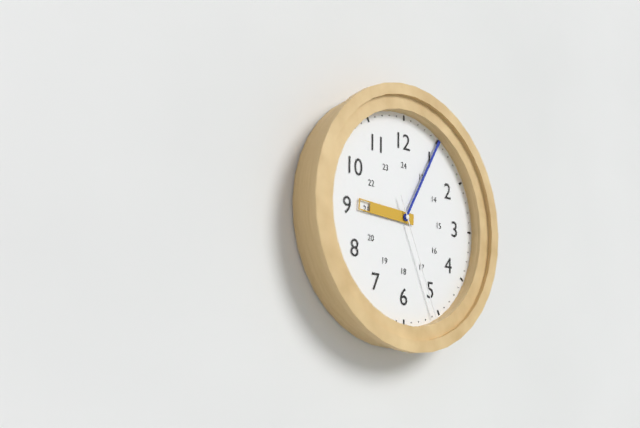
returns 9,05,26
